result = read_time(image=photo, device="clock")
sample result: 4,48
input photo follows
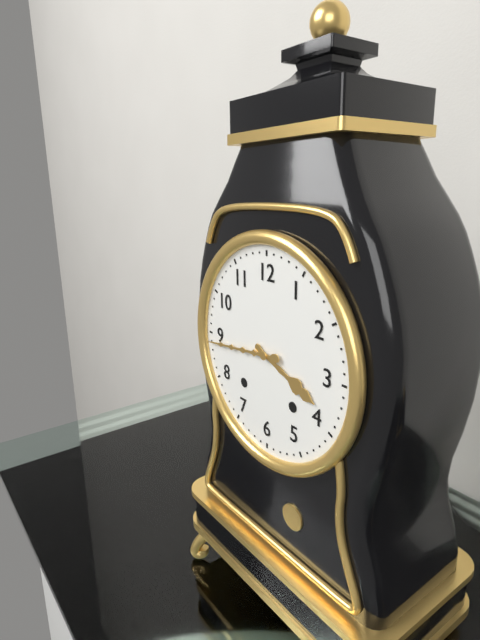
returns 3,44
